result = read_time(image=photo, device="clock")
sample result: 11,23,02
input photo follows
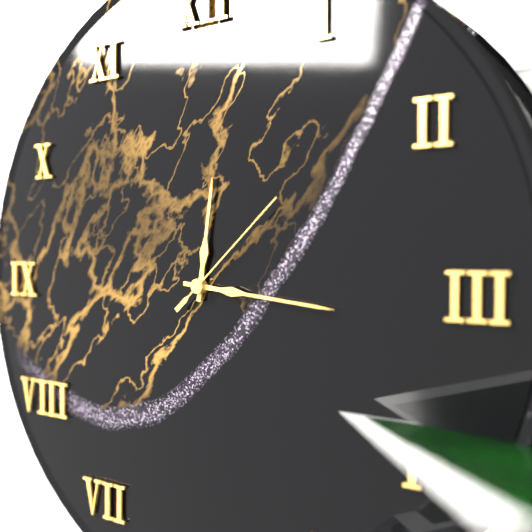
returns 12,16,08
